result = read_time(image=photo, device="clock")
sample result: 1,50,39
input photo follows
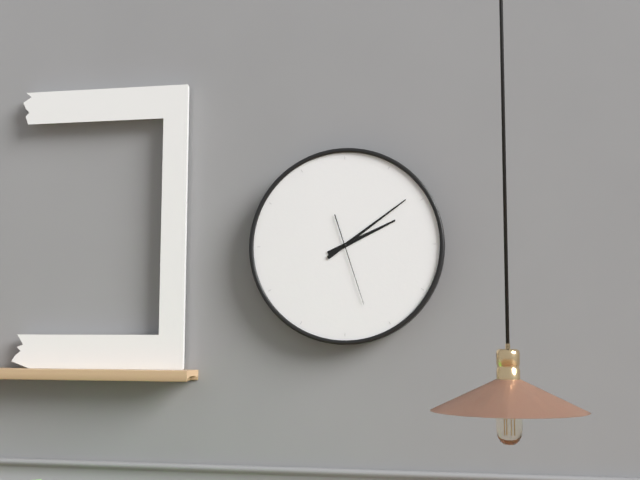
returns 2,09,27
